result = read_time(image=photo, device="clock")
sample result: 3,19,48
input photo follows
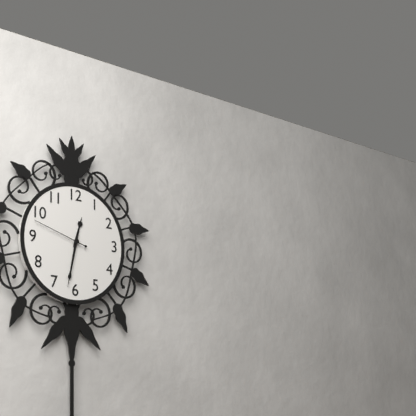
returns 12,32,48
